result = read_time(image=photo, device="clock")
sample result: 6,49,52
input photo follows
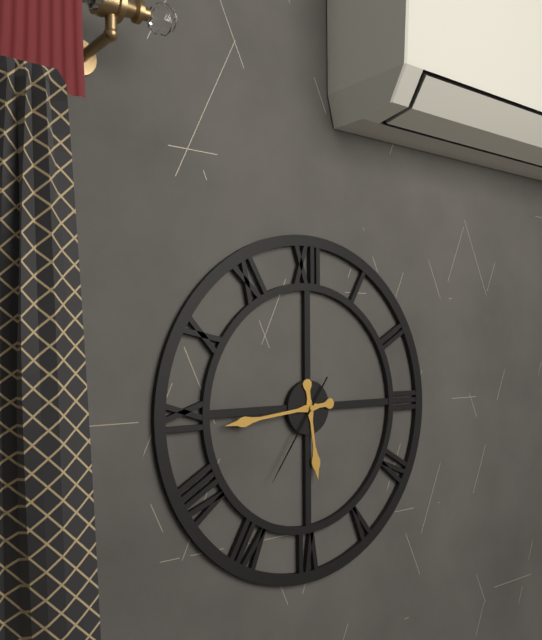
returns 5,44,36
